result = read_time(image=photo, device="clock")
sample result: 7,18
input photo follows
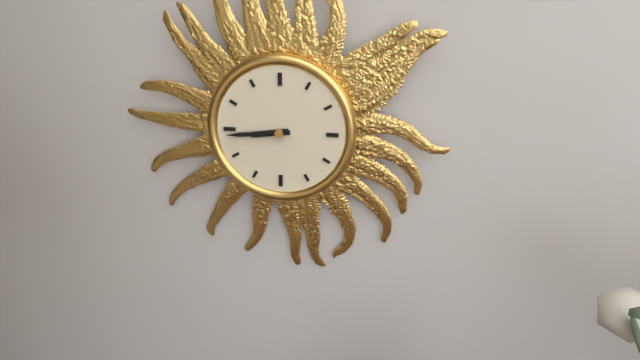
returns 8,44
